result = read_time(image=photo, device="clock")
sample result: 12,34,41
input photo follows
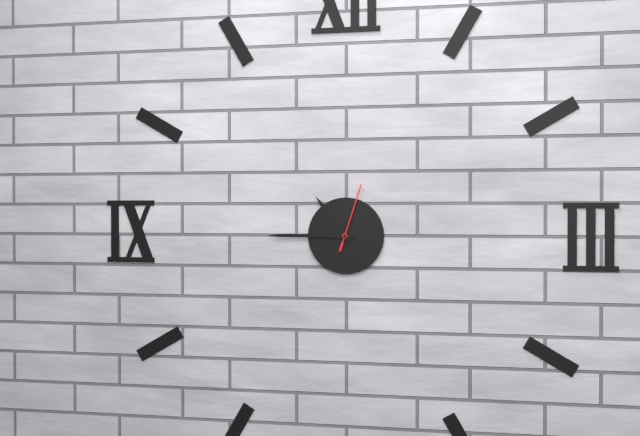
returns 10,45,03
